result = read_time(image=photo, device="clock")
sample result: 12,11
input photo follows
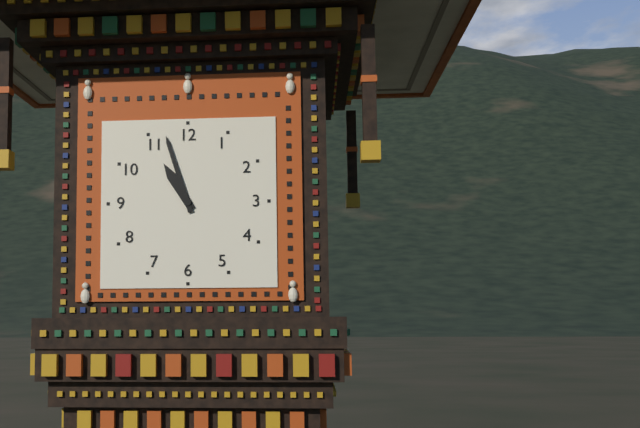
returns 10,57
